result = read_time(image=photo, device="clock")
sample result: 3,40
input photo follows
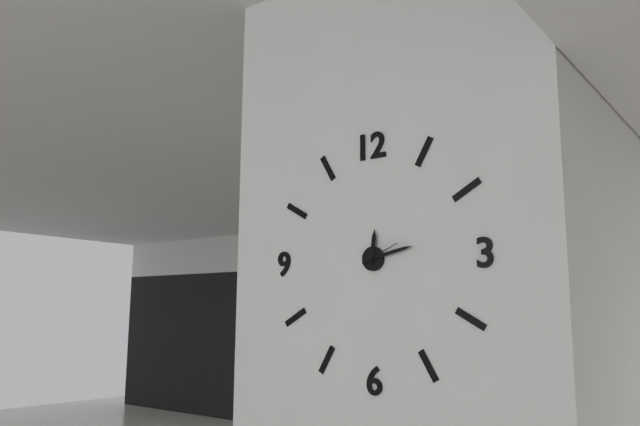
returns 12,13
